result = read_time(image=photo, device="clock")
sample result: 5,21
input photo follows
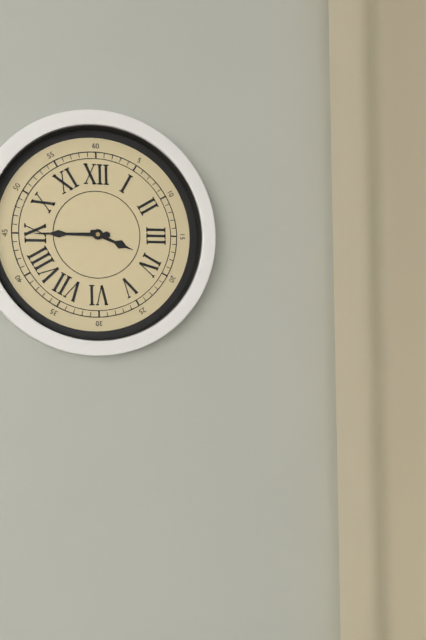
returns 3,45
